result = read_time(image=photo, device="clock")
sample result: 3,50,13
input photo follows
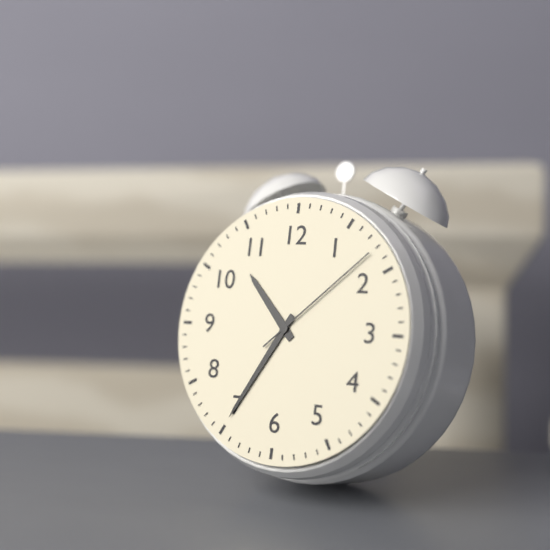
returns 10,35,08
